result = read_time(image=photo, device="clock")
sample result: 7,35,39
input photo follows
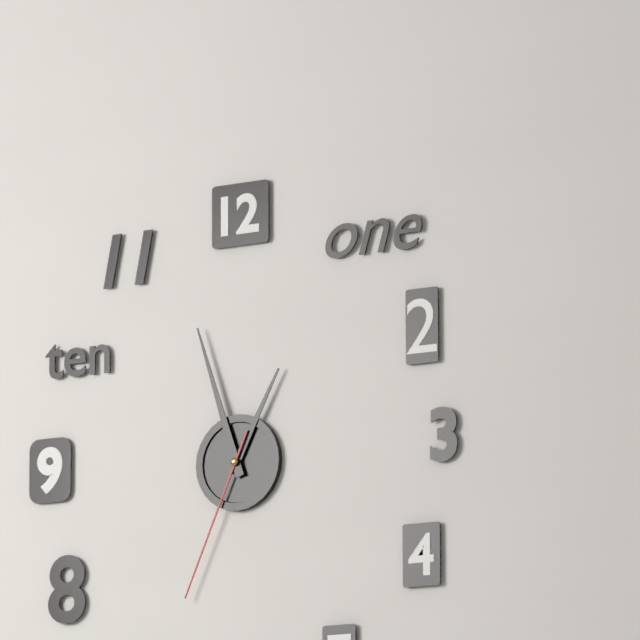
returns 12,57,34
